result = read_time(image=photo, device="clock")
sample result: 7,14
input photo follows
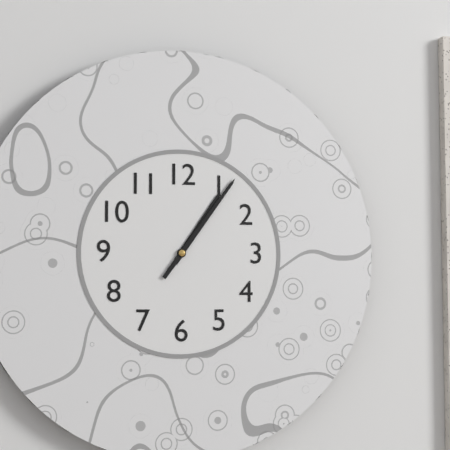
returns 1,06
